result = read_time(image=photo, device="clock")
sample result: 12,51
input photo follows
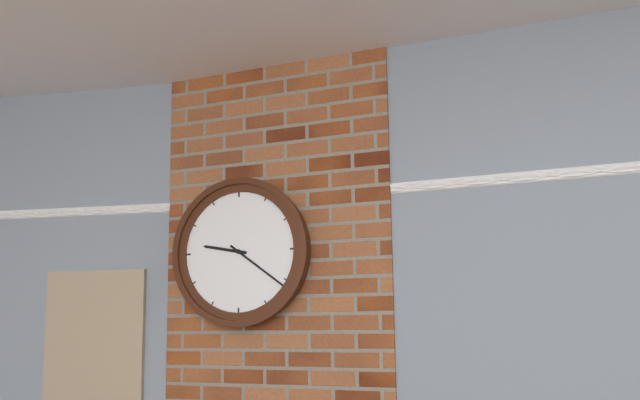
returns 9,21
